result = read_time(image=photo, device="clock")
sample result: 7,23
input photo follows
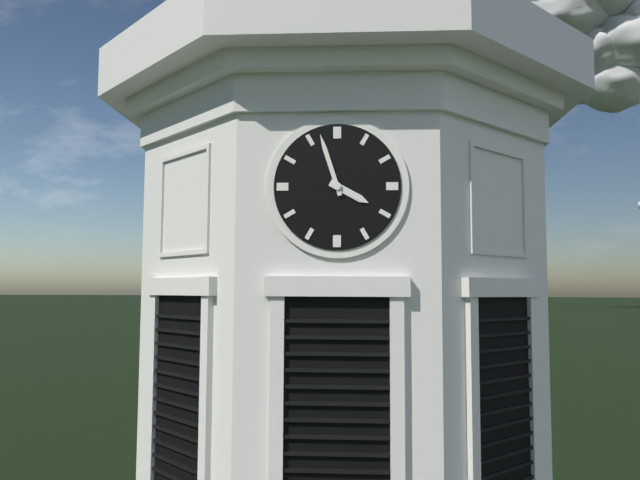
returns 3,57
